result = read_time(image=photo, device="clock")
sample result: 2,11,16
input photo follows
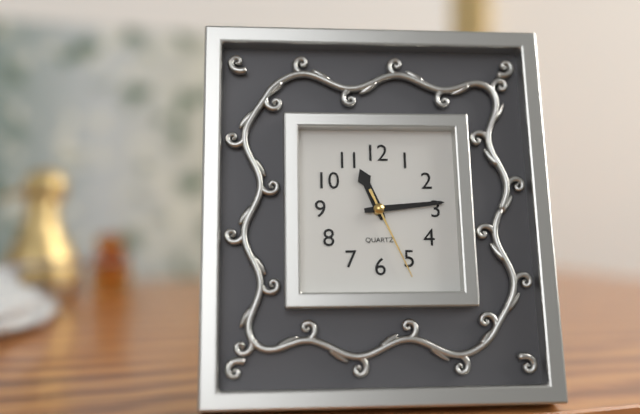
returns 11,14,26
